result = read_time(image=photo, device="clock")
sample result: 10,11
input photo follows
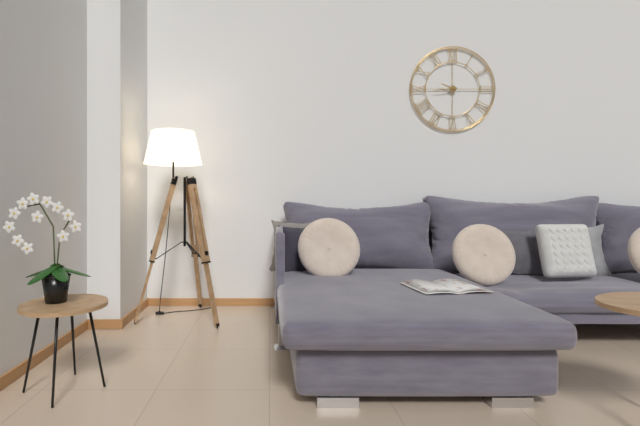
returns 9,44
